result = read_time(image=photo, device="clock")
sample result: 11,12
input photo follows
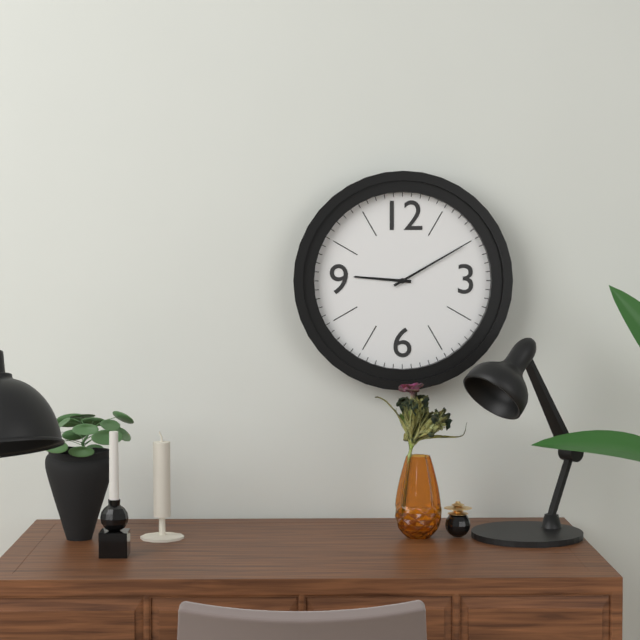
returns 9,10
